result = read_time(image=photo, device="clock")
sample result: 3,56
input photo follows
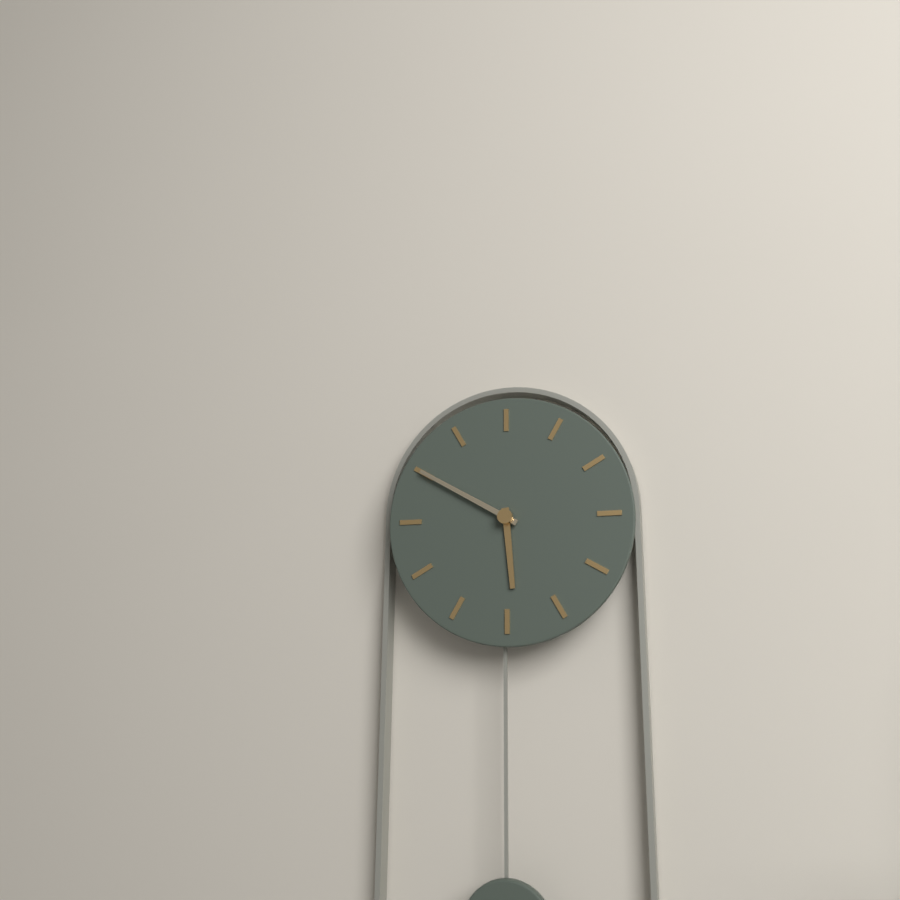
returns 5,50
